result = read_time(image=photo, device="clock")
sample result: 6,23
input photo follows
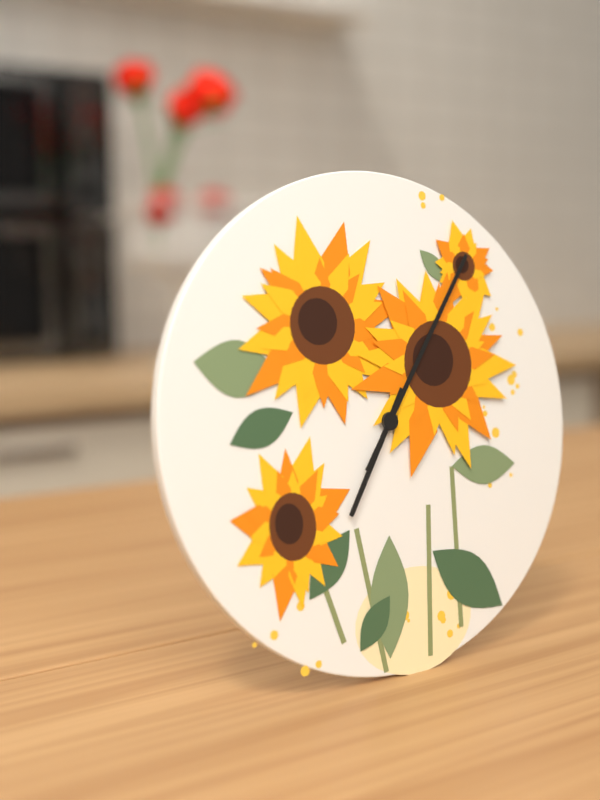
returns 7,06
